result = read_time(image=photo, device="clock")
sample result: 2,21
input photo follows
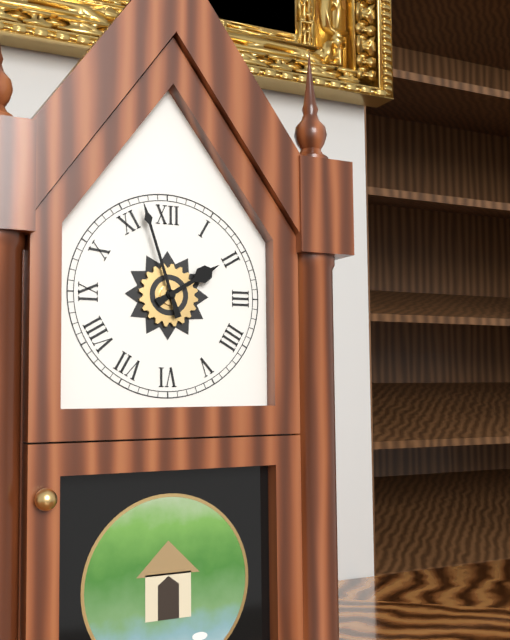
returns 1,57
